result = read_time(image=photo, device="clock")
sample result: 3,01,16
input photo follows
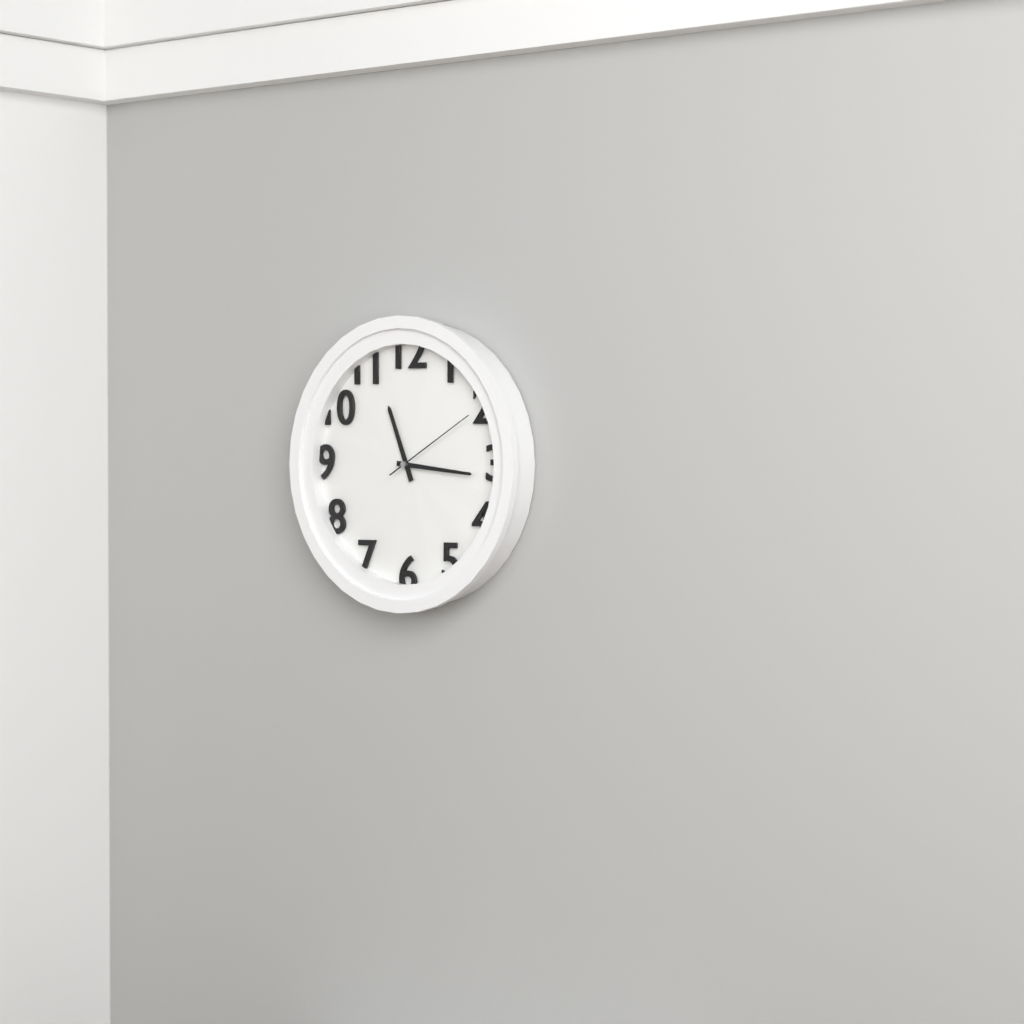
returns 11,16,10
